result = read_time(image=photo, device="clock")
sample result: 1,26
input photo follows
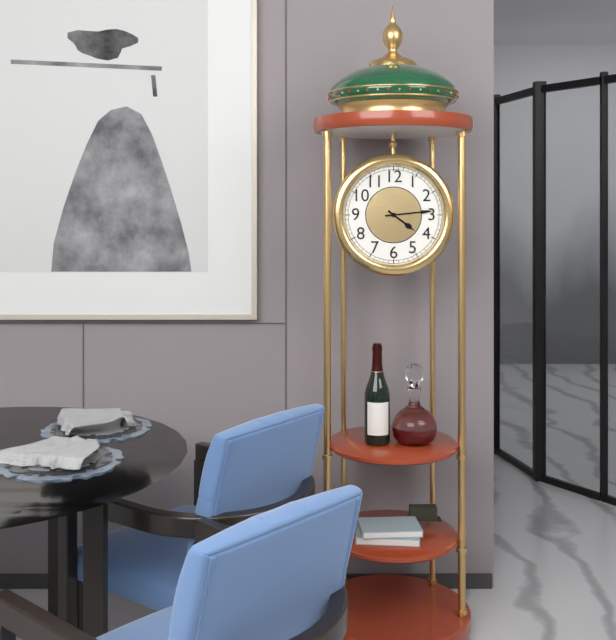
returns 4,14
